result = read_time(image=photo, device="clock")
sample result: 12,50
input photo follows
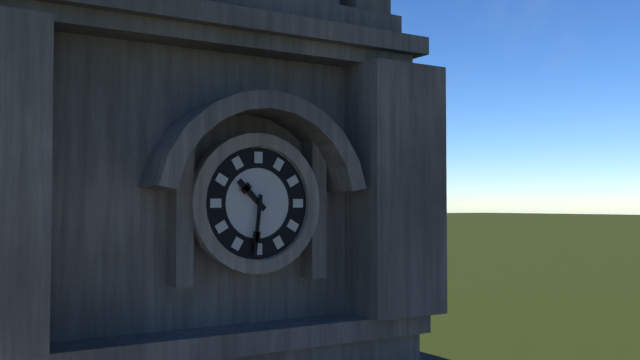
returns 10,31
